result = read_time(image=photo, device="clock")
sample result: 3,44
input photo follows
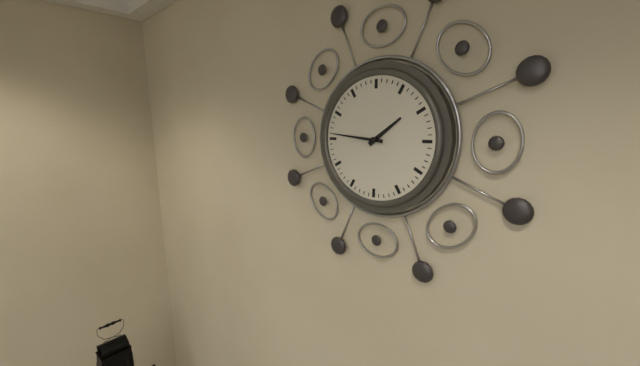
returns 1,46
